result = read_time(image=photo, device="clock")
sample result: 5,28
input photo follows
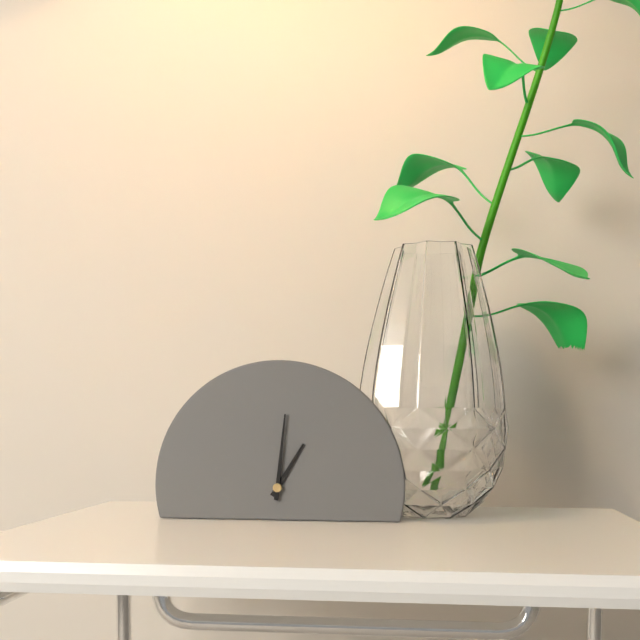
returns 1,01
